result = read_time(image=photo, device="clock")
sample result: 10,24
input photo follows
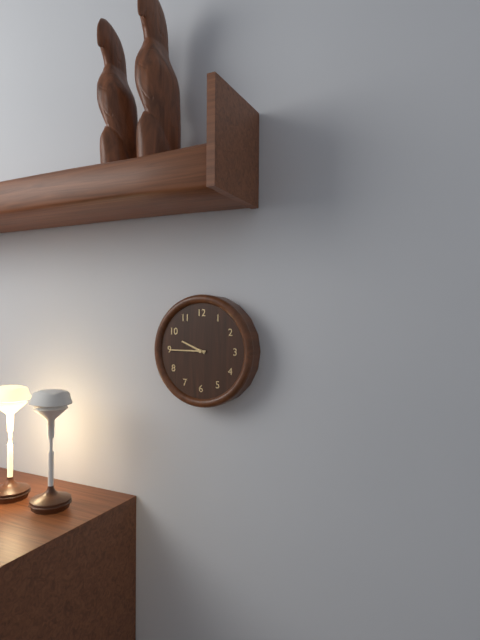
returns 9,45
